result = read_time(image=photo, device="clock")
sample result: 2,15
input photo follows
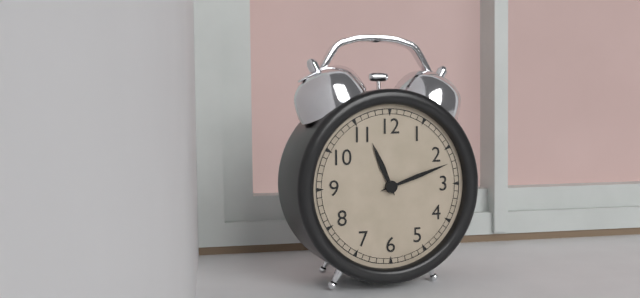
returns 11,12
